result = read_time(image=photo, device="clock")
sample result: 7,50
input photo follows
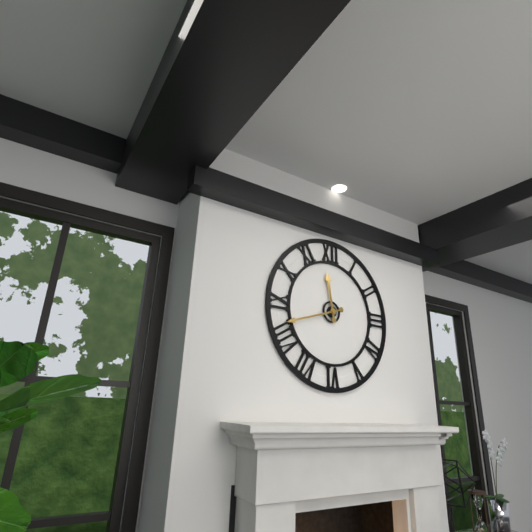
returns 11,42
